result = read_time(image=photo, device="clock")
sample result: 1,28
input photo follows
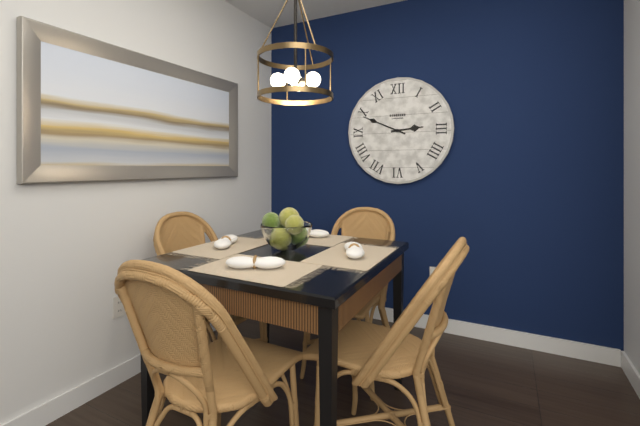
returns 2,49
